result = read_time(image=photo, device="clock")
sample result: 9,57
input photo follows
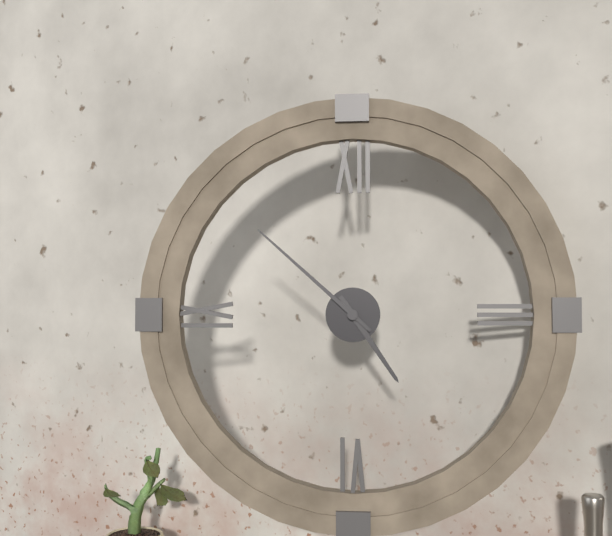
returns 4,52
